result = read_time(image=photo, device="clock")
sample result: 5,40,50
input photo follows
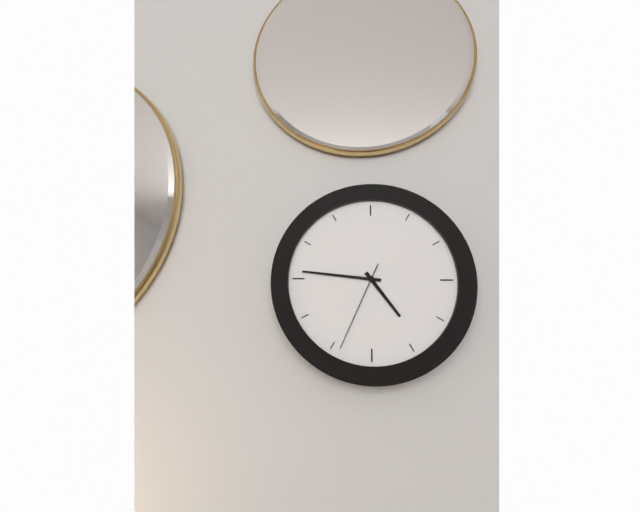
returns 4,46,34
